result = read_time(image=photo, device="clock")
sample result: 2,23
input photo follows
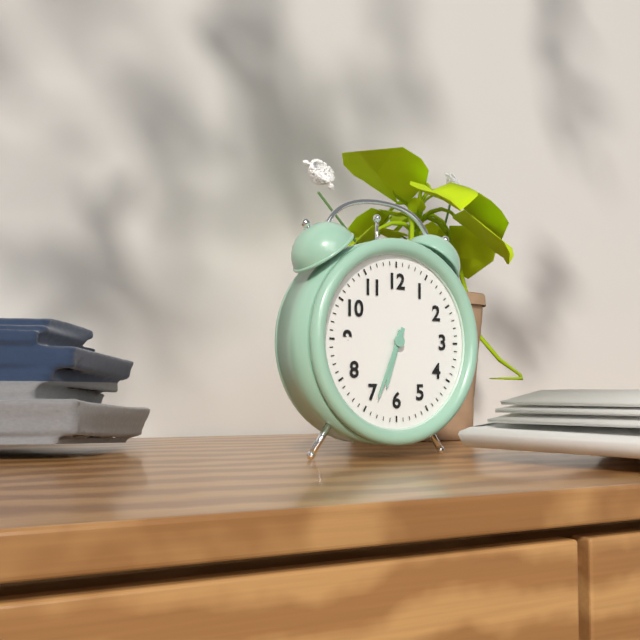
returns 6,34
